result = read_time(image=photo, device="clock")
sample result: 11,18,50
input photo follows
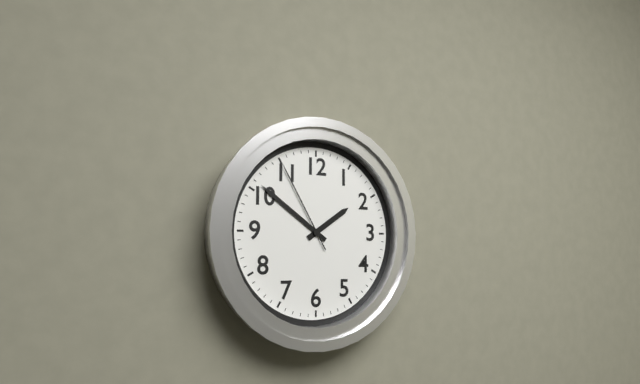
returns 1,51,55
